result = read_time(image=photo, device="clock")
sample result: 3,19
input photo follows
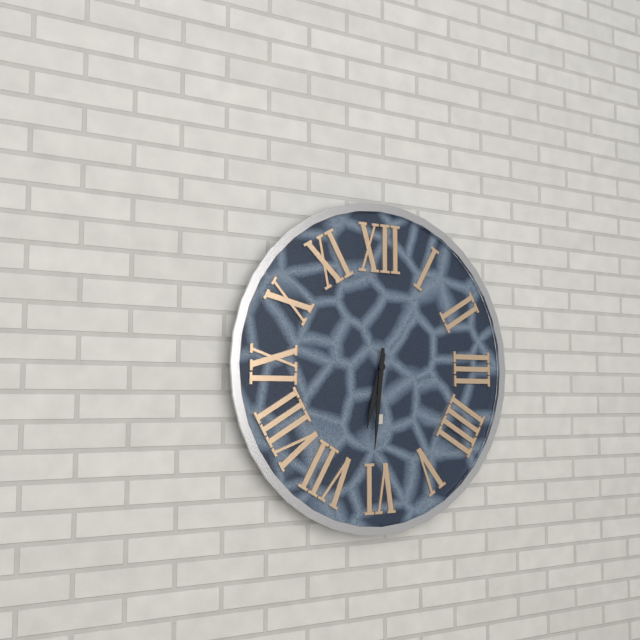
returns 6,31
